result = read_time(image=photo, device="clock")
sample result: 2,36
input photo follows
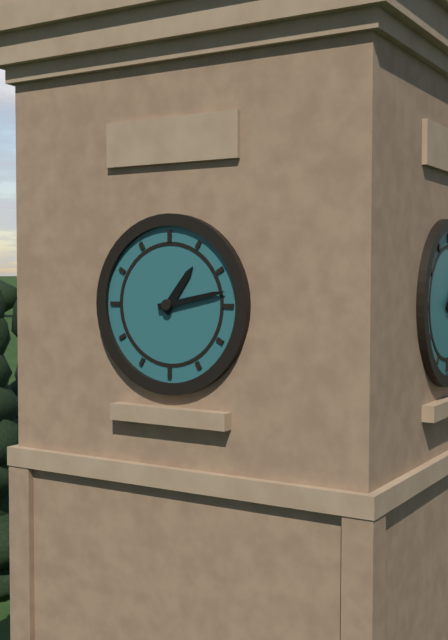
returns 1,13
